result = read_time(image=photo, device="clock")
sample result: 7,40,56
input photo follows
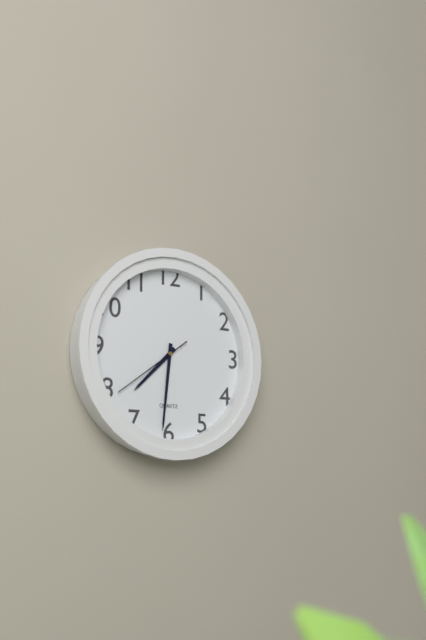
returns 7,31,39
